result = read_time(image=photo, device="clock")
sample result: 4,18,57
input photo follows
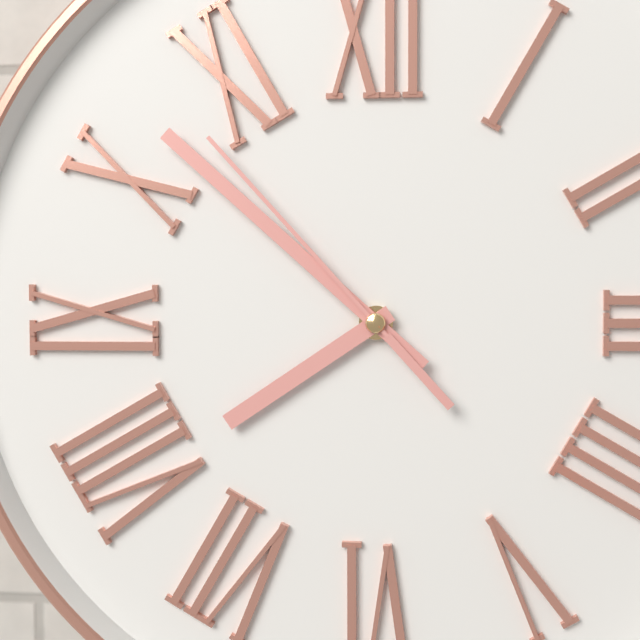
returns 7,52,53
